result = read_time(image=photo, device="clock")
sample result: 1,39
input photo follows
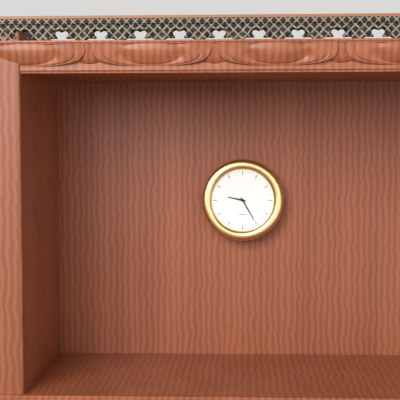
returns 9,25
